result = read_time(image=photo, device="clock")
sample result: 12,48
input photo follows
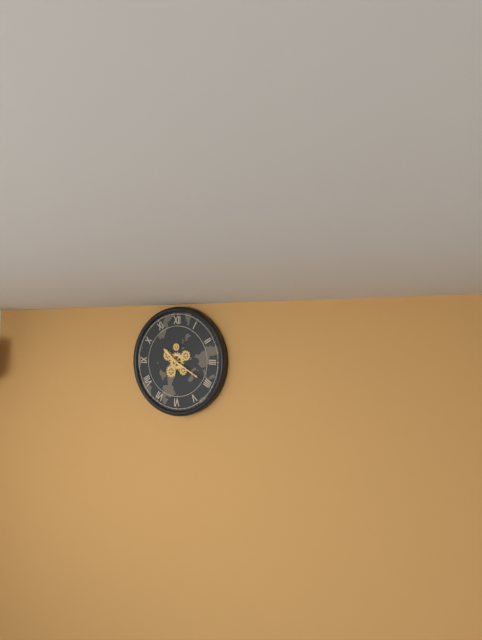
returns 10,20
